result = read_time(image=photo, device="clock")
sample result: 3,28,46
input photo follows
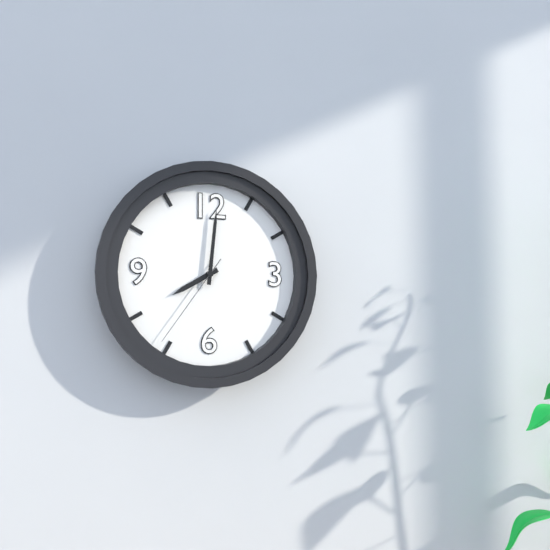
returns 8,01,36
